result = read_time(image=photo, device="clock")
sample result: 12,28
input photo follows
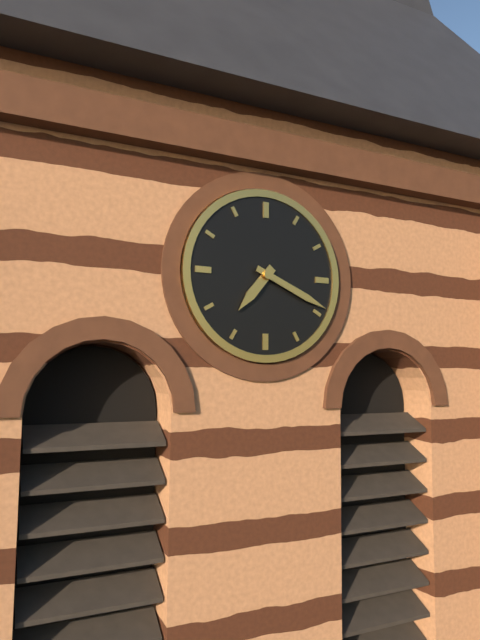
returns 7,19
